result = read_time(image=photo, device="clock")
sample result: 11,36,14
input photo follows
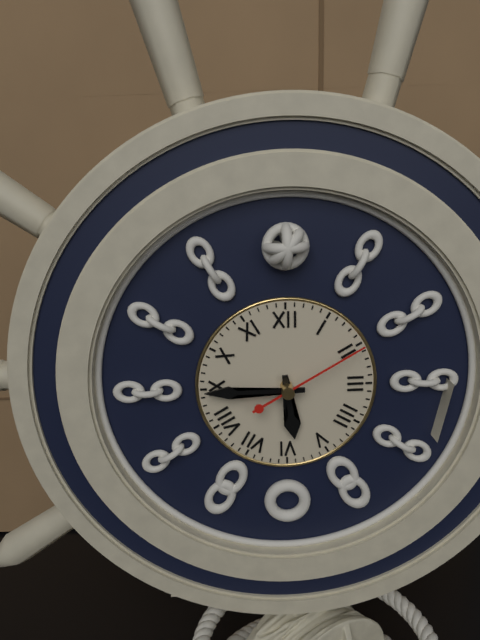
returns 5,45,10
